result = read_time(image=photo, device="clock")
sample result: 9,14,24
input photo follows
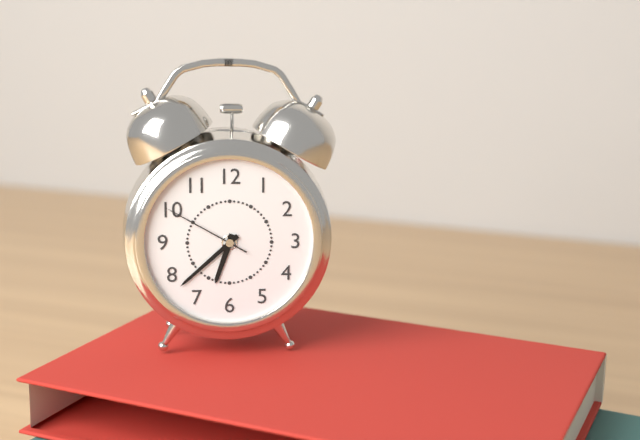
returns 6,38,50
